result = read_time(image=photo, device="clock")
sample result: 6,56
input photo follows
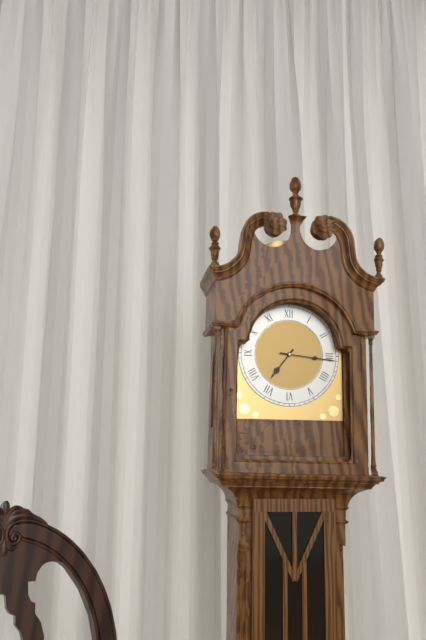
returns 7,16
